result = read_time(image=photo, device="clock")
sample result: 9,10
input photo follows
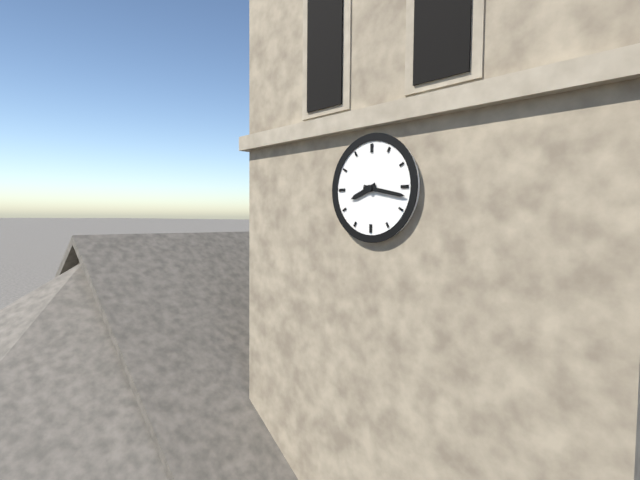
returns 8,17
